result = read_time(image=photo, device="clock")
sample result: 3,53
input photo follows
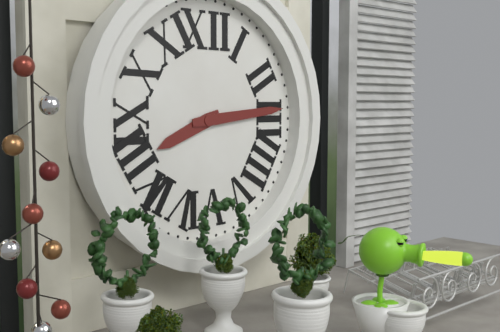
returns 8,14
